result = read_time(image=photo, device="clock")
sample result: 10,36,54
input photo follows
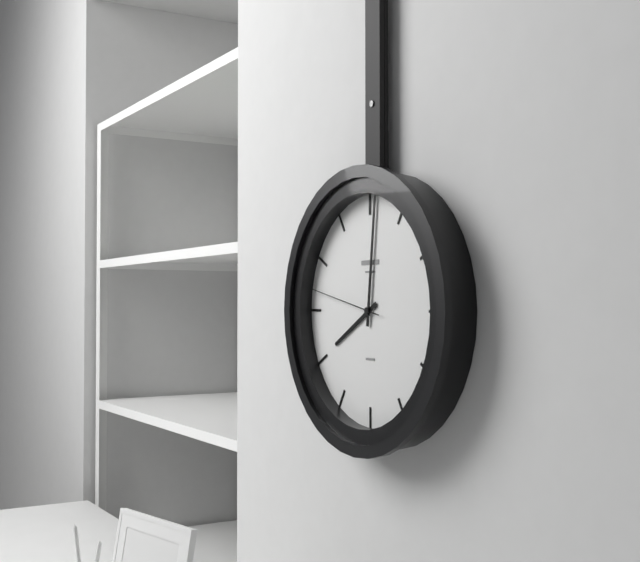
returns 8,01,47
